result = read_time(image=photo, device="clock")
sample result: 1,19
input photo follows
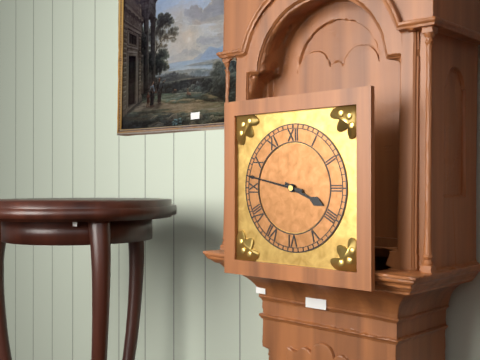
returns 3,47
